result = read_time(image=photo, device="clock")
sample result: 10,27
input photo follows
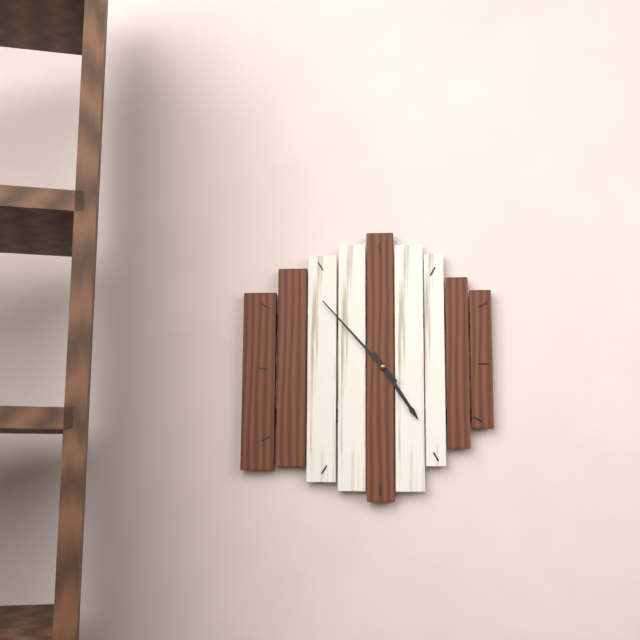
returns 4,53
